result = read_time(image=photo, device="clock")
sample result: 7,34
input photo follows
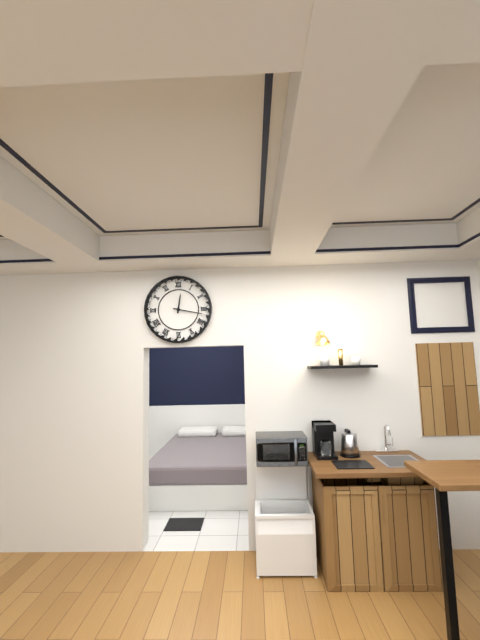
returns 12,17
